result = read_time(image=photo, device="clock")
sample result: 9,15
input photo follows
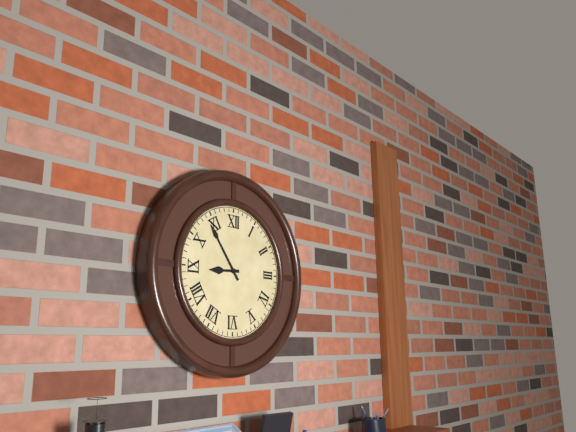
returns 8,54
